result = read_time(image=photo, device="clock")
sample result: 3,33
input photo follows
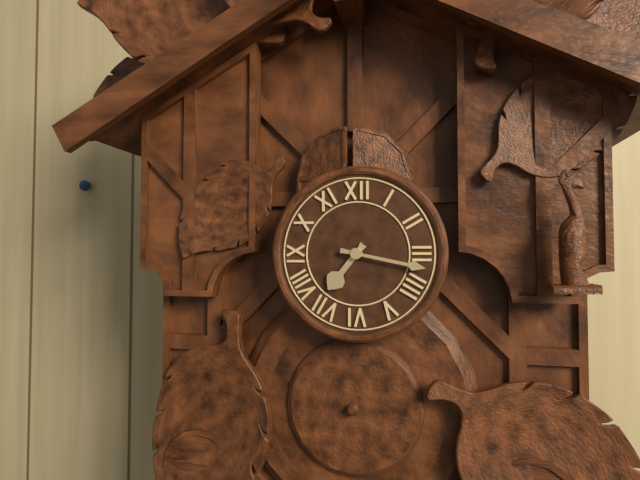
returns 7,17
